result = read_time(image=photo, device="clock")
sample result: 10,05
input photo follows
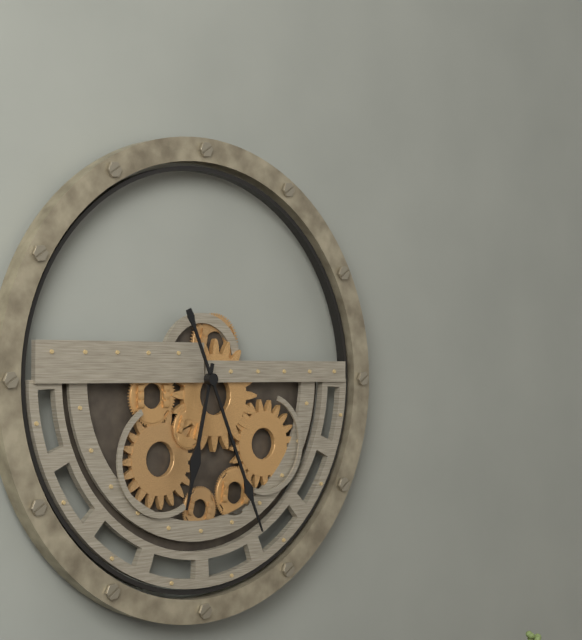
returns 6,26
